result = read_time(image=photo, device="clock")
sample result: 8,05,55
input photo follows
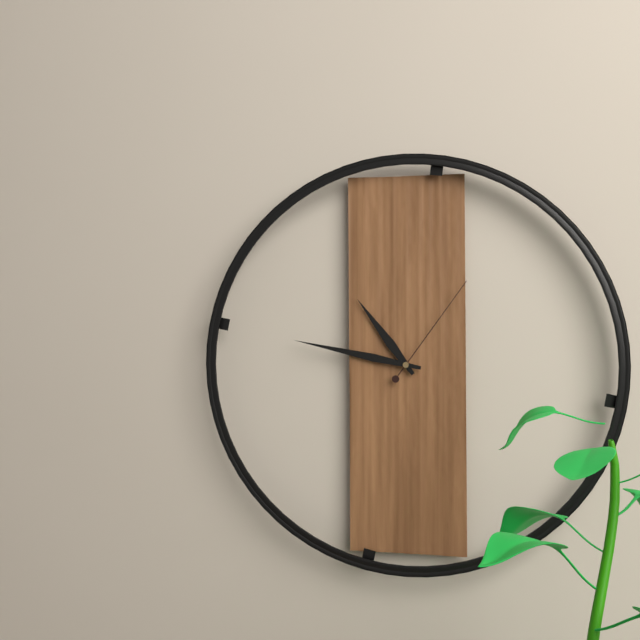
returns 10,47,06
